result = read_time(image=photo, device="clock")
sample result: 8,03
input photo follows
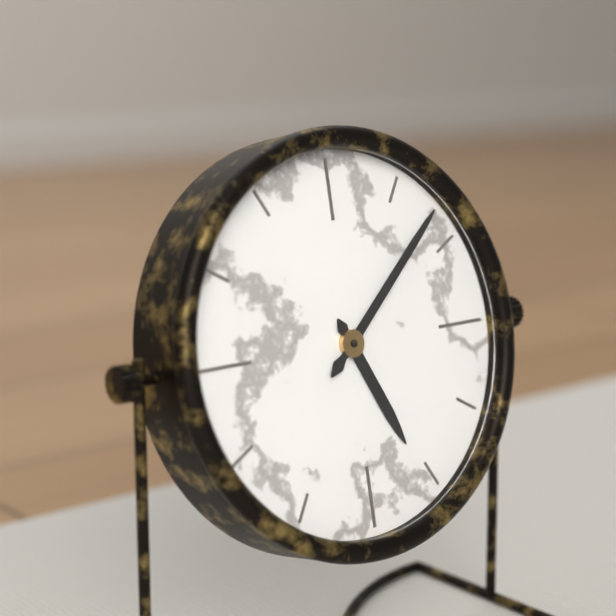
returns 5,08
